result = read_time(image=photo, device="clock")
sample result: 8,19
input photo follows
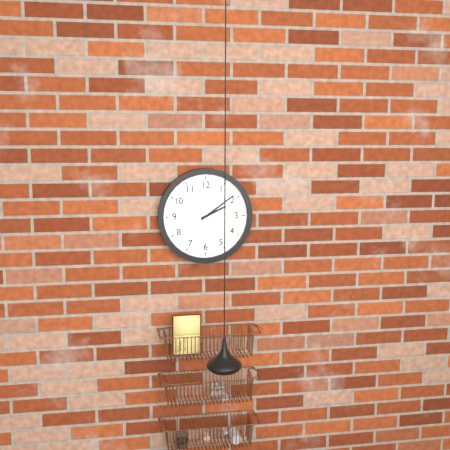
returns 2,09
